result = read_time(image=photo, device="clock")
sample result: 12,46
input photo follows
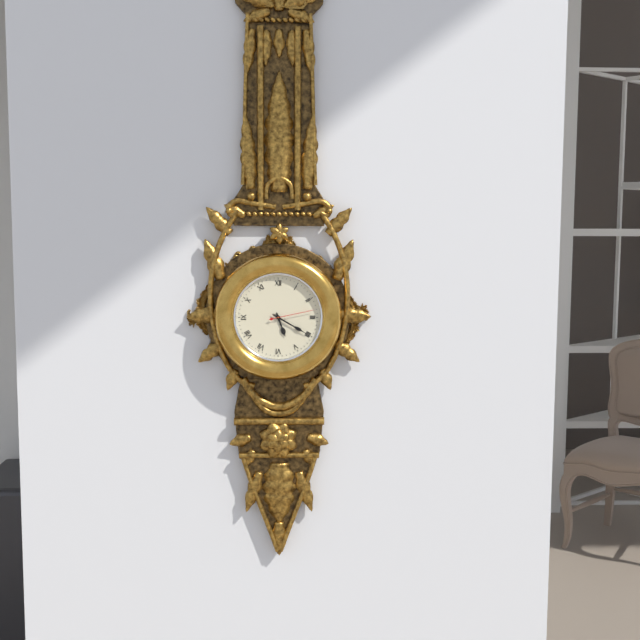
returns 5,20
